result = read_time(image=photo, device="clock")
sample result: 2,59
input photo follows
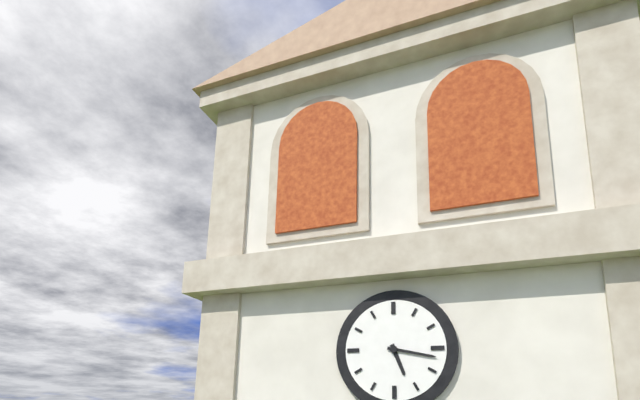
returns 5,17
